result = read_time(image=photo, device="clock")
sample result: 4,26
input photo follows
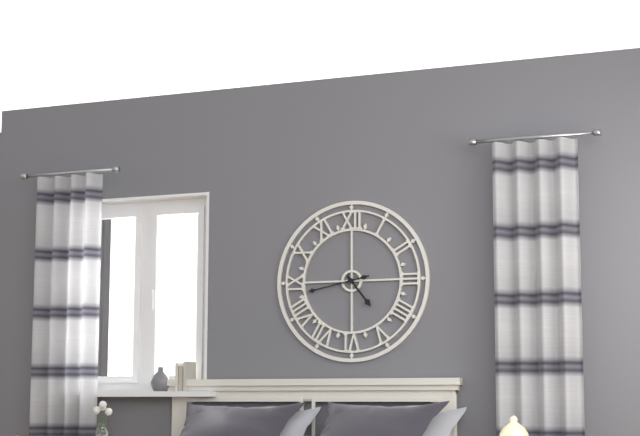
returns 4,43
